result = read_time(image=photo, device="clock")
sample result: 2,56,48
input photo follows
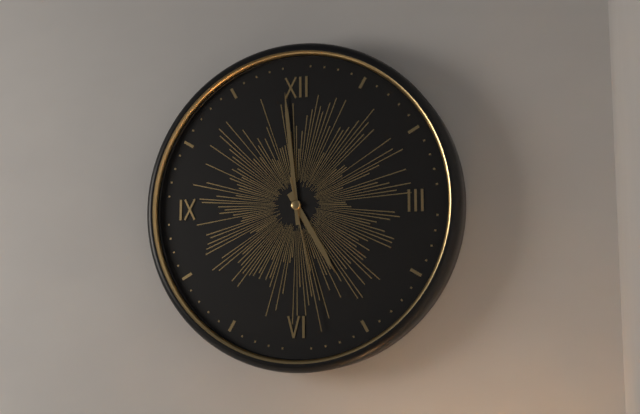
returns 4,59,28
